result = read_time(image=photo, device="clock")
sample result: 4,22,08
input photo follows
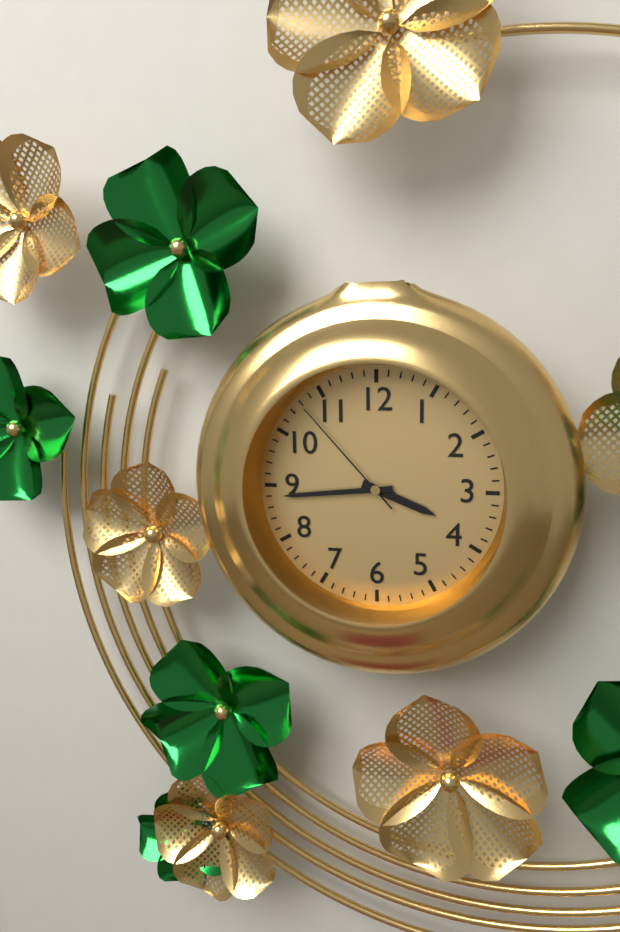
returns 3,44,53
